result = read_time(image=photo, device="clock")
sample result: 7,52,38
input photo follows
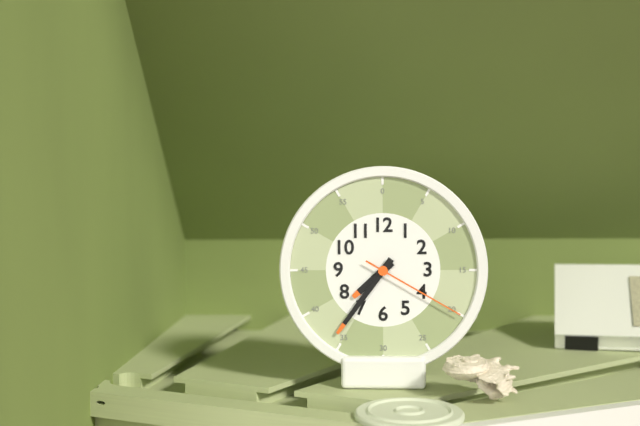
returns 7,36,20
